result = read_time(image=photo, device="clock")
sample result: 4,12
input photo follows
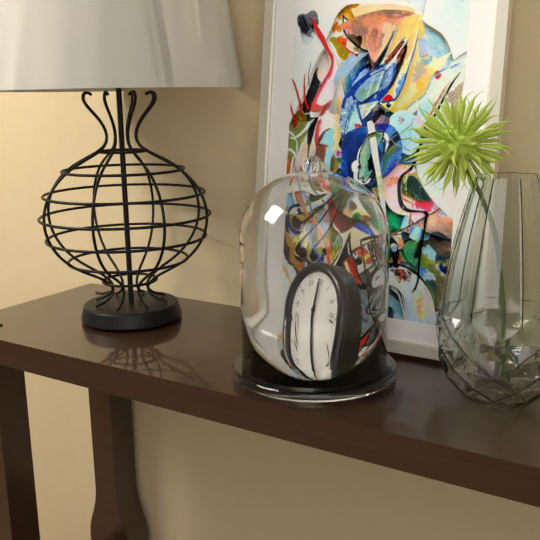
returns 6,00
